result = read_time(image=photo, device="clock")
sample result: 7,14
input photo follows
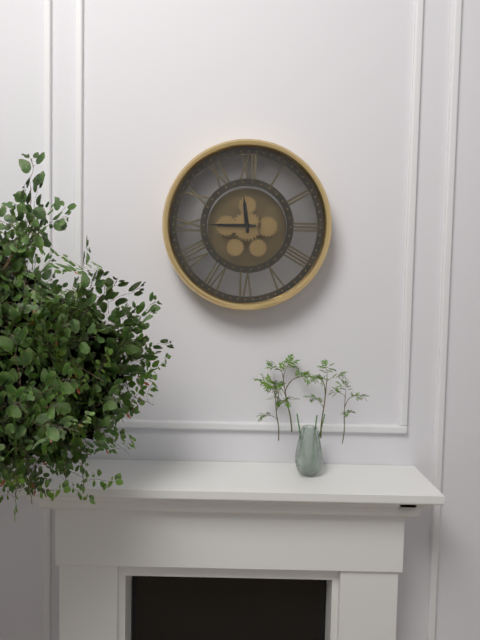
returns 11,45
